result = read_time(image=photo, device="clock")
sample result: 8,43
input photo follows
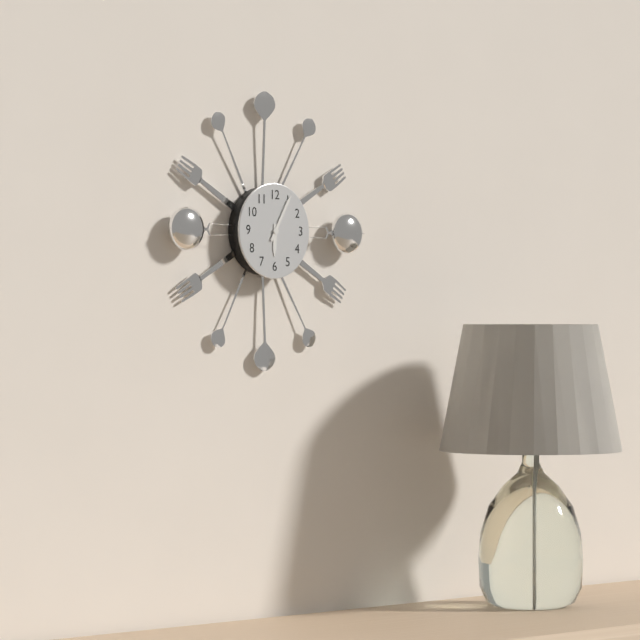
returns 6,05
